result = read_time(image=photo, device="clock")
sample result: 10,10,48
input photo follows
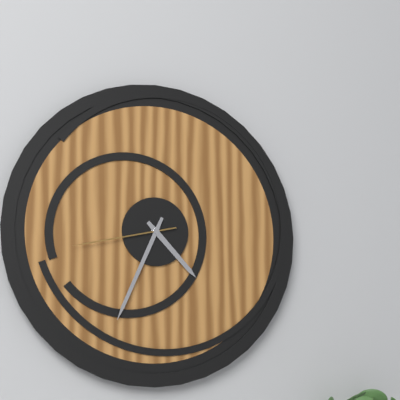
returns 4,34,43
